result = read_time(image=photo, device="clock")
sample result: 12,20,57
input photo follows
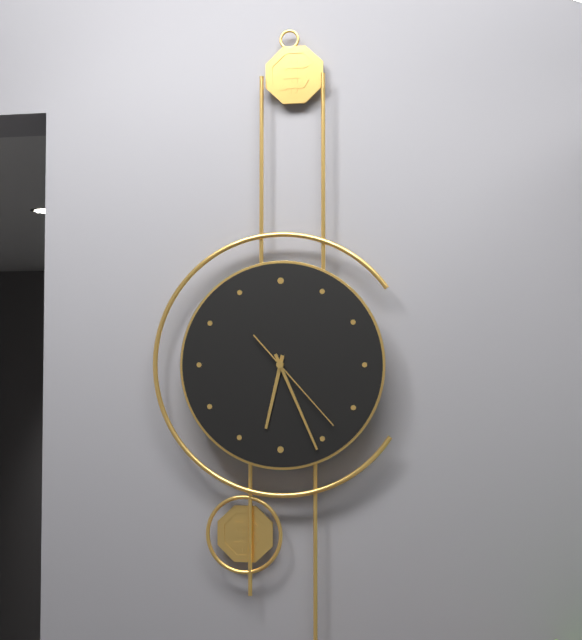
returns 6,26,23
